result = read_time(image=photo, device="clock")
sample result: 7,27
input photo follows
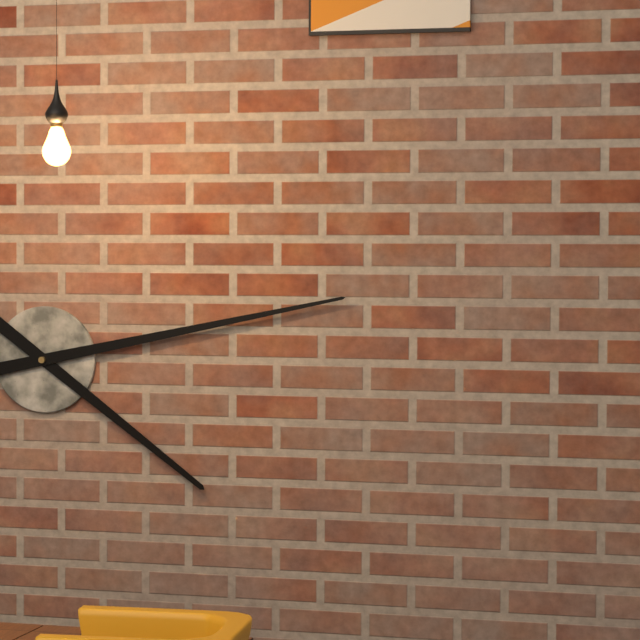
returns 4,13
